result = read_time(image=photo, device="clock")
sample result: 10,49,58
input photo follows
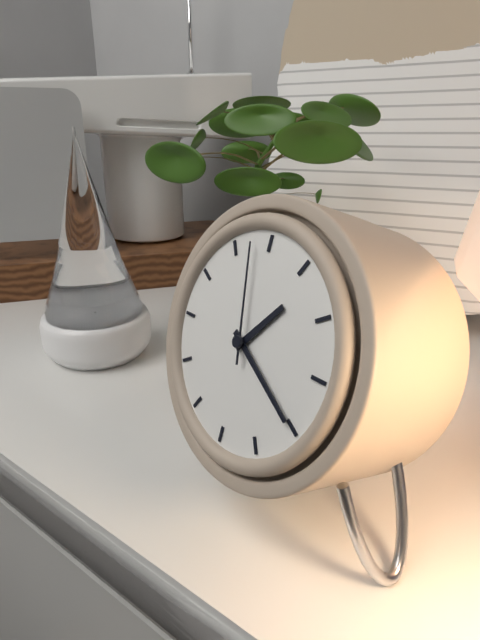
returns 1,20,58
